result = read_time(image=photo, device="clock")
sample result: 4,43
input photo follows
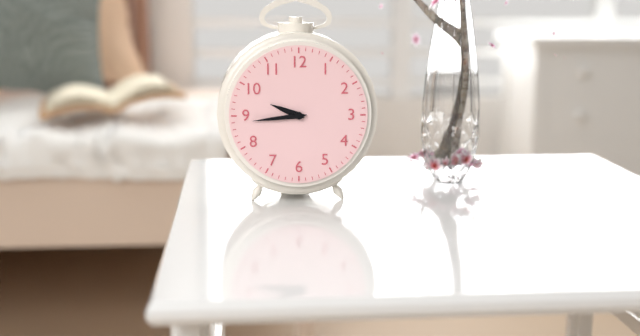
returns 9,44
